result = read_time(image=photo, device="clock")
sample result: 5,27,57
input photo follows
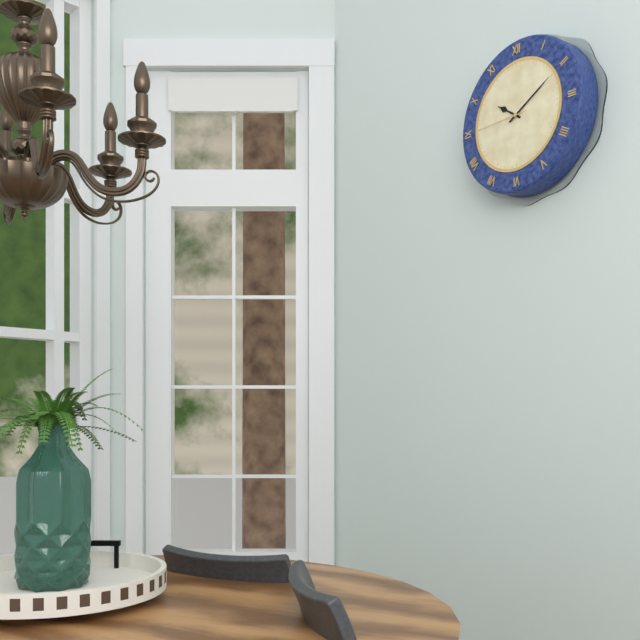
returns 10,10,45
